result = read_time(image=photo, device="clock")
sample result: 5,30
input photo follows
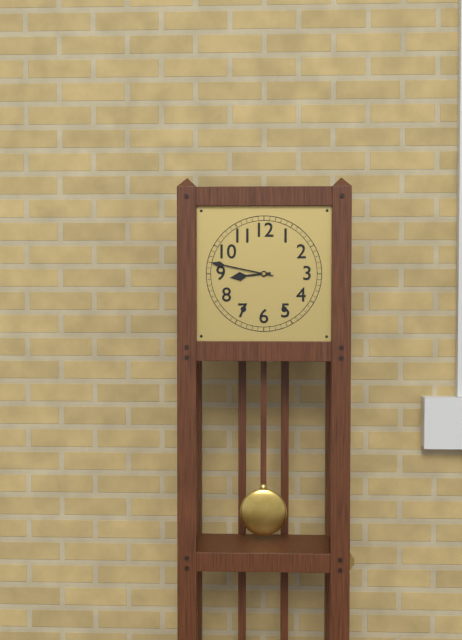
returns 8,47
